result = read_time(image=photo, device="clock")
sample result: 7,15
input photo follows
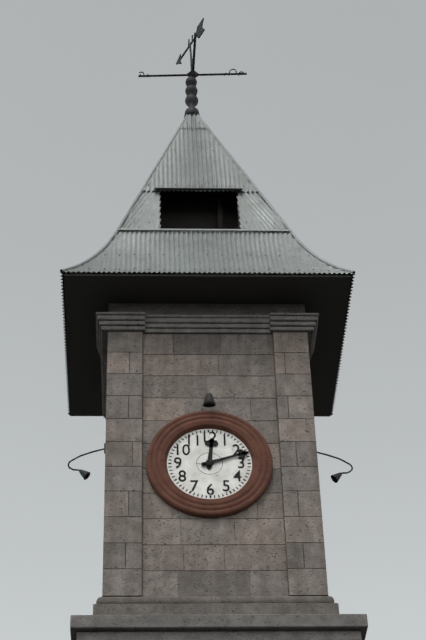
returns 12,12
